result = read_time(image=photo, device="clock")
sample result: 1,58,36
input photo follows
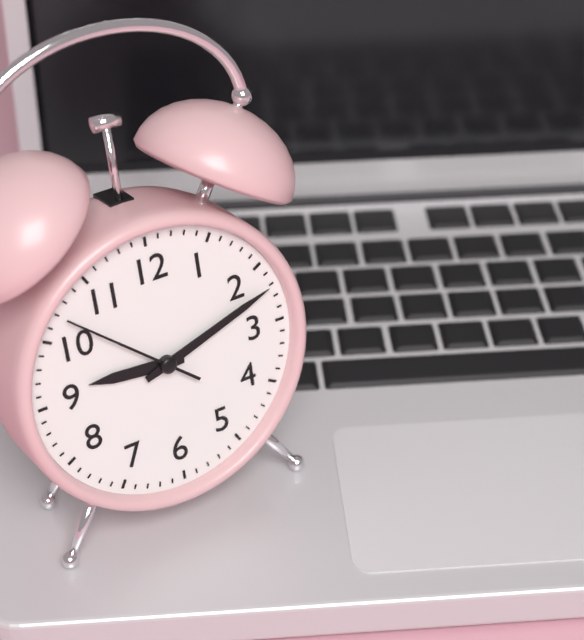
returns 9,12,52
